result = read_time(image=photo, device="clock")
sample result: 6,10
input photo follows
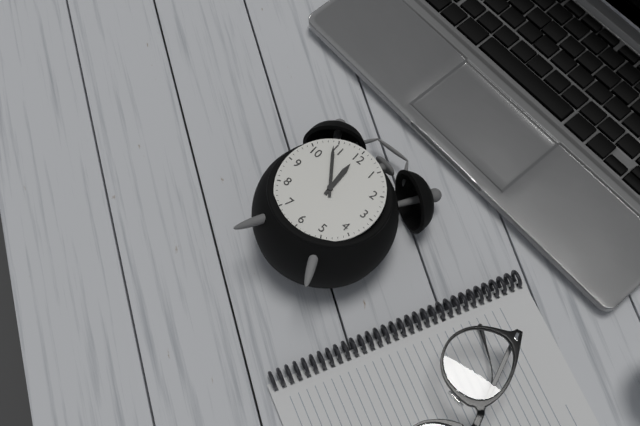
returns 11,54
